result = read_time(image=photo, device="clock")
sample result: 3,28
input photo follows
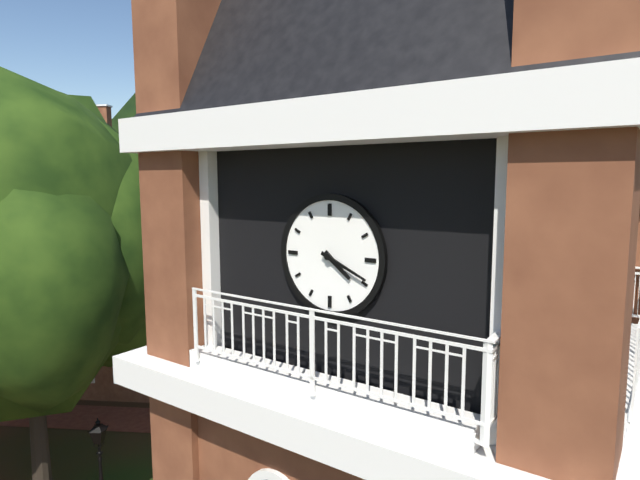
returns 4,19
